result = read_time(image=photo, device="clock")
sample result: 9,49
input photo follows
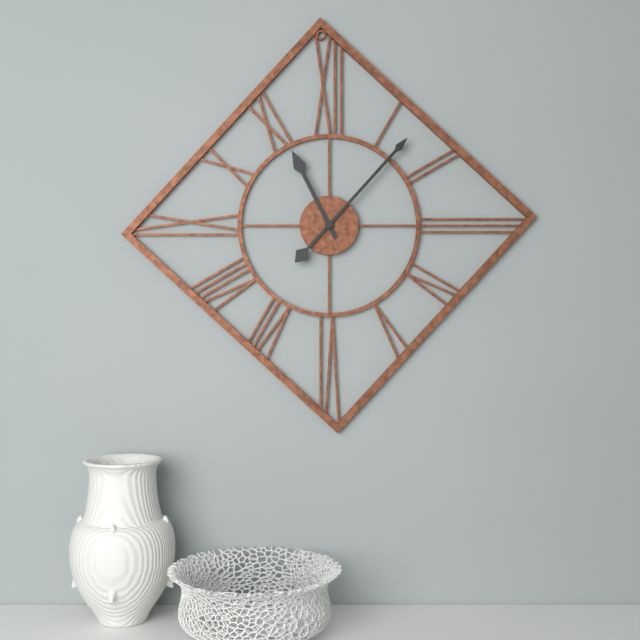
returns 11,07
